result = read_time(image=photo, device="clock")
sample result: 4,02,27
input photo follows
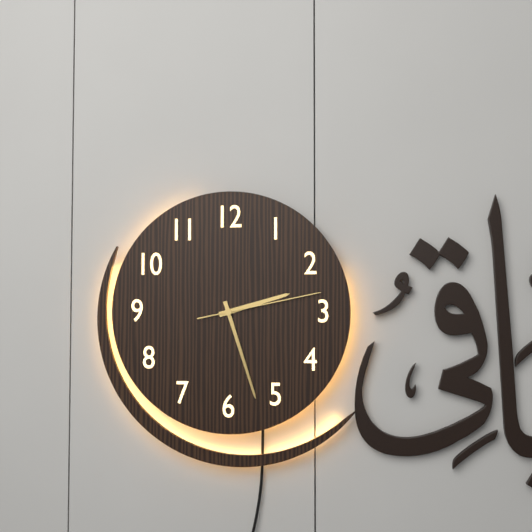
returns 2,27,13
